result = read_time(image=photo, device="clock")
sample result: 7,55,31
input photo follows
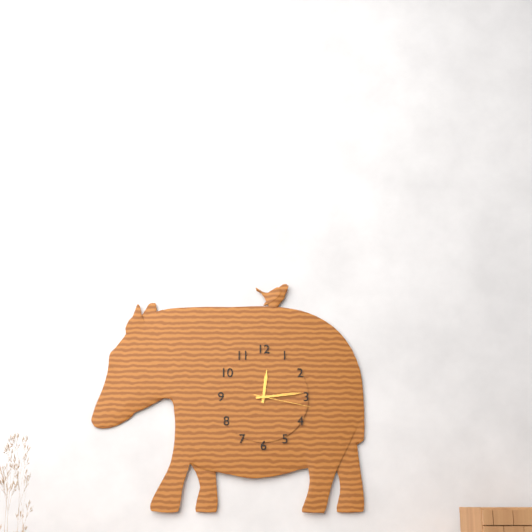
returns 12,14,17
